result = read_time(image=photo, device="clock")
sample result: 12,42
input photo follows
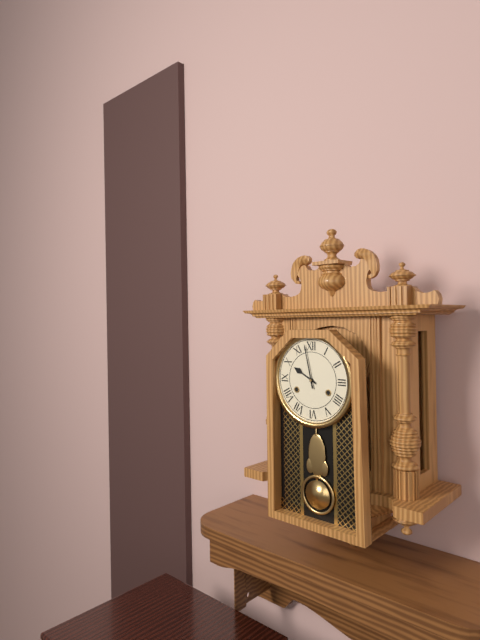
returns 9,58
